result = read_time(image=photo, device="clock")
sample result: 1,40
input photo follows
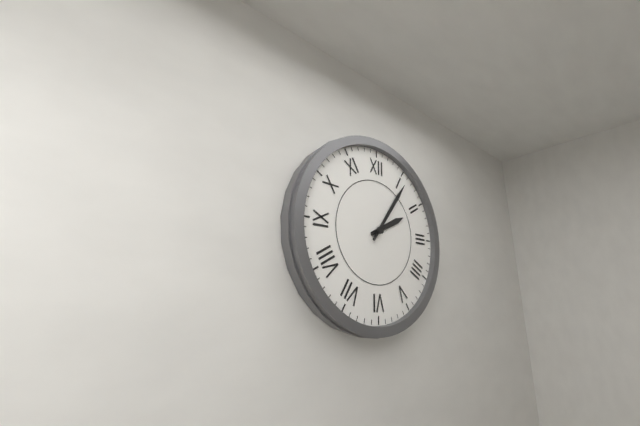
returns 2,06
